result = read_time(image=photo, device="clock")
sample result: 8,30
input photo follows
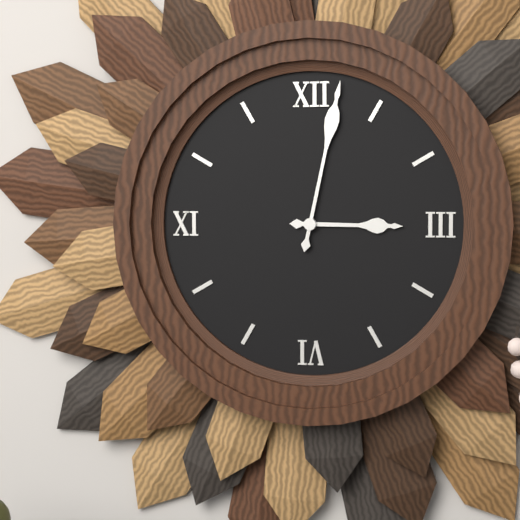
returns 3,02
